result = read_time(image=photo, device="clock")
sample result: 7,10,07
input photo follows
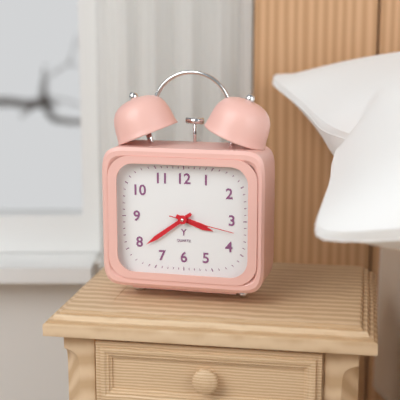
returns 3,39,17
